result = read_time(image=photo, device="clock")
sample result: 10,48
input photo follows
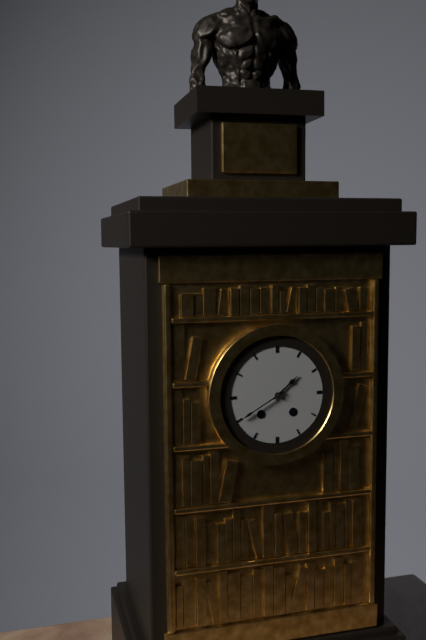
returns 1,40
